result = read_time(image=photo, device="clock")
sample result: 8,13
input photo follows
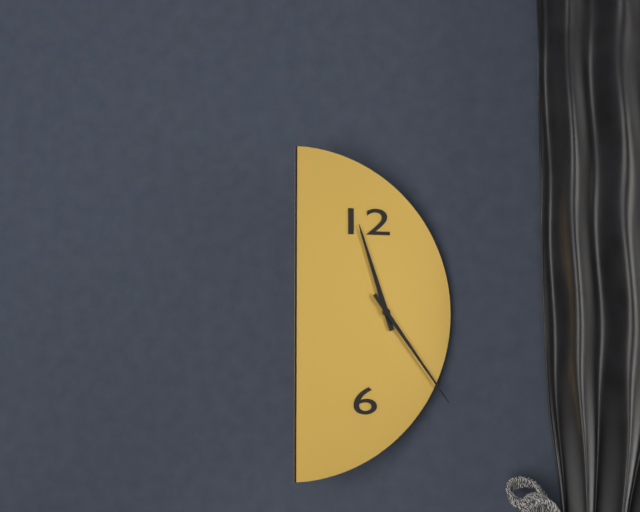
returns 11,24
